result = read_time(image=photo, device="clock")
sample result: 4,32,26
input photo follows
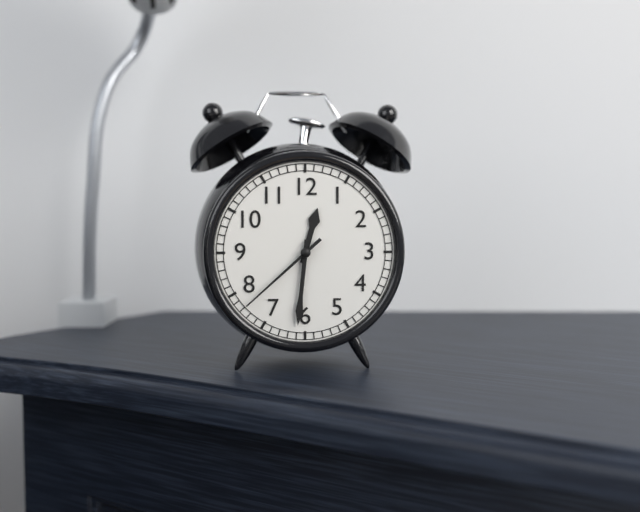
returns 12,31,38
